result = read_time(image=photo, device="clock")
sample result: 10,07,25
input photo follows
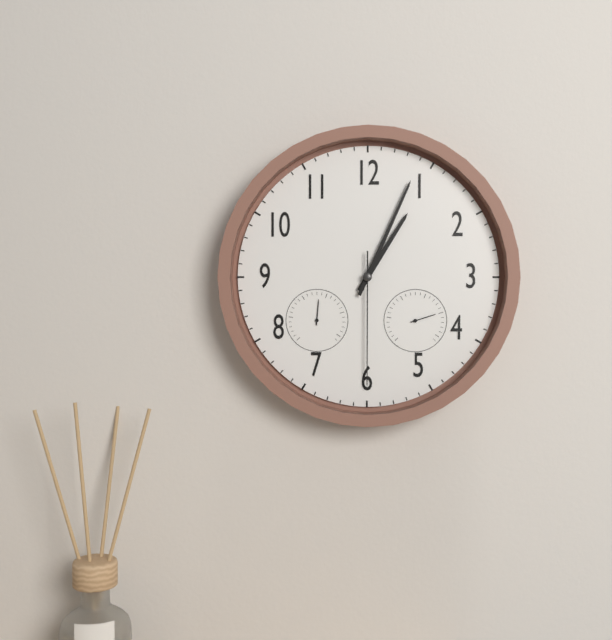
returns 1,04,30
